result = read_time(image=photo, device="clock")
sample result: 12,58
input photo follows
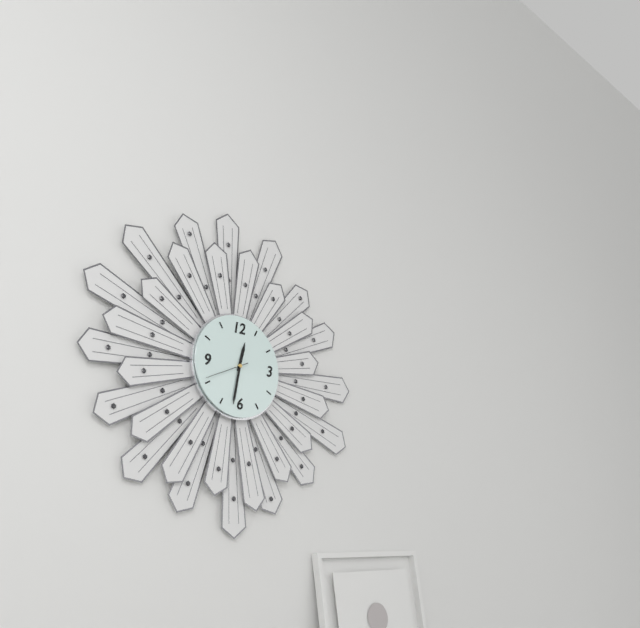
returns 12,32
